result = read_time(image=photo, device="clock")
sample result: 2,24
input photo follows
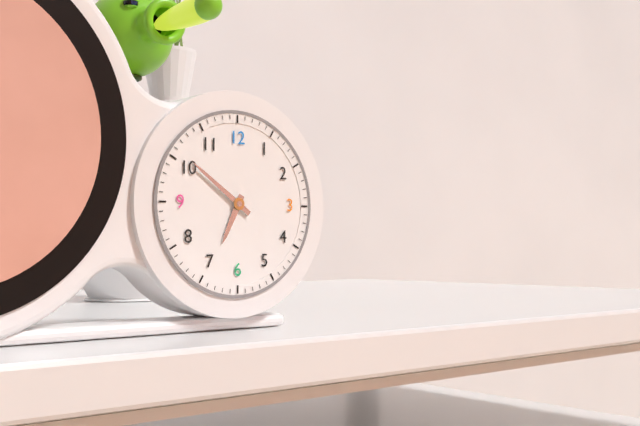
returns 6,51
